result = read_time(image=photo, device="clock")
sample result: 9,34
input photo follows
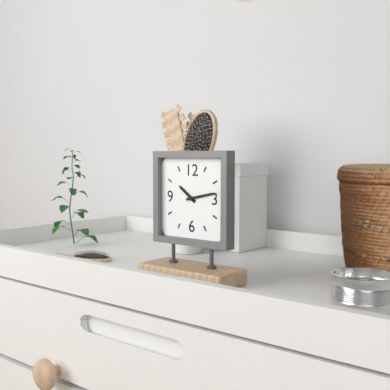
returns 10,13
